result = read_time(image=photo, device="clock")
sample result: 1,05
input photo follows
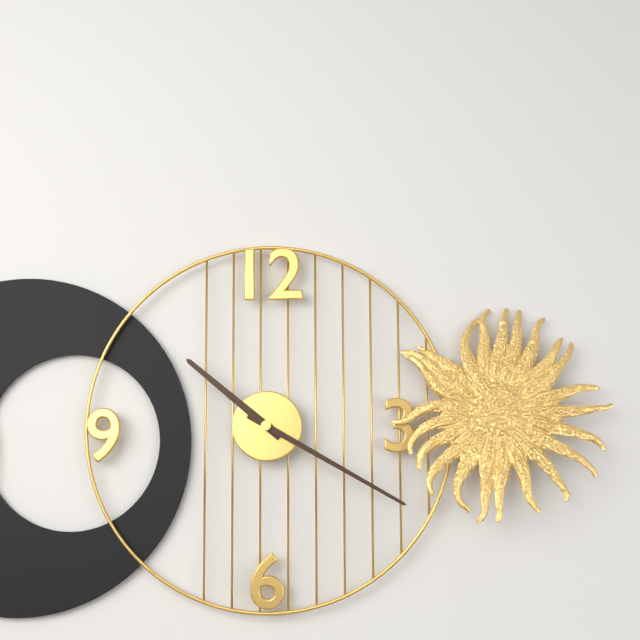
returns 10,20
